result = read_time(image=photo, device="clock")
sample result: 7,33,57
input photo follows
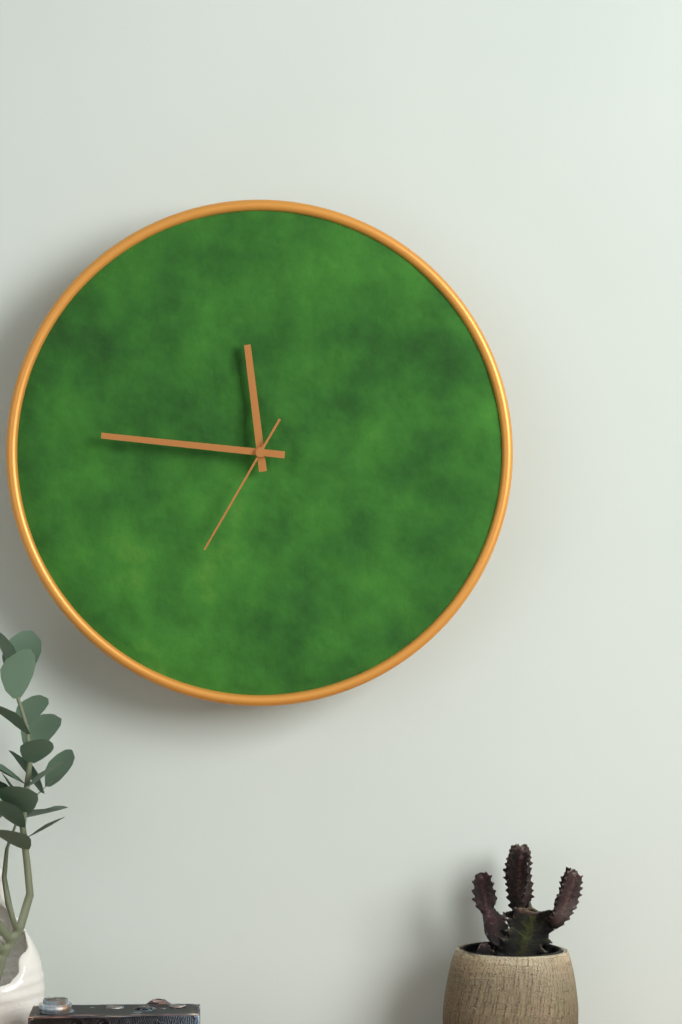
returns 11,46,35
